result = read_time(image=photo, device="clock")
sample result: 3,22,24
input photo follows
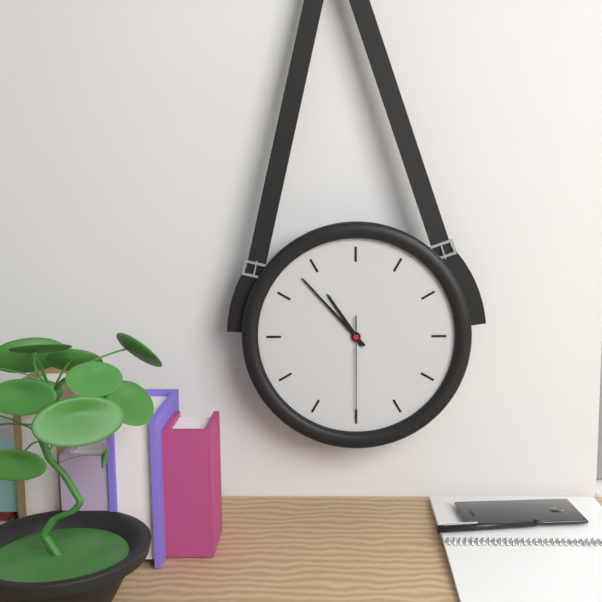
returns 10,53,30
